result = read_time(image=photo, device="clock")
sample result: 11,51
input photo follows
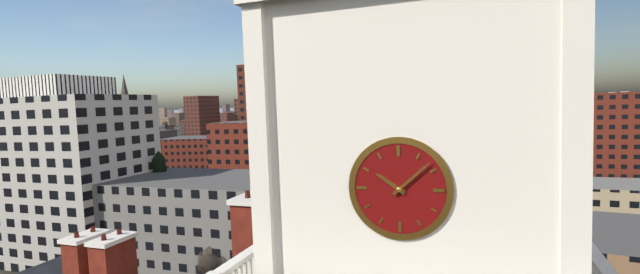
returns 10,08
